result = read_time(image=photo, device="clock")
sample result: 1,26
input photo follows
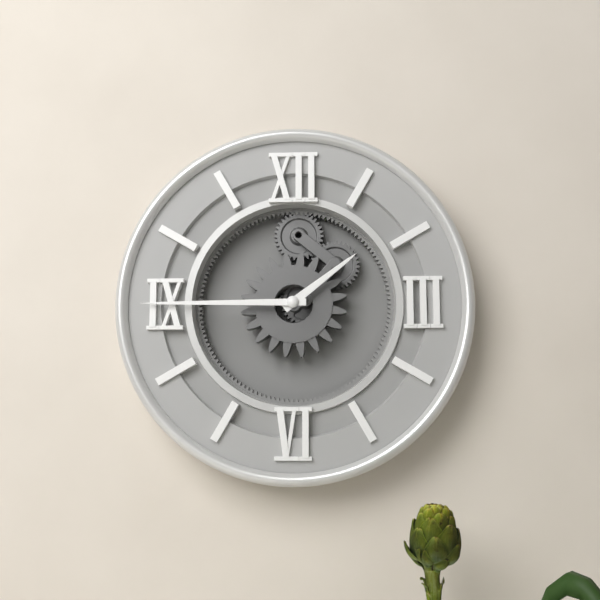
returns 1,45
